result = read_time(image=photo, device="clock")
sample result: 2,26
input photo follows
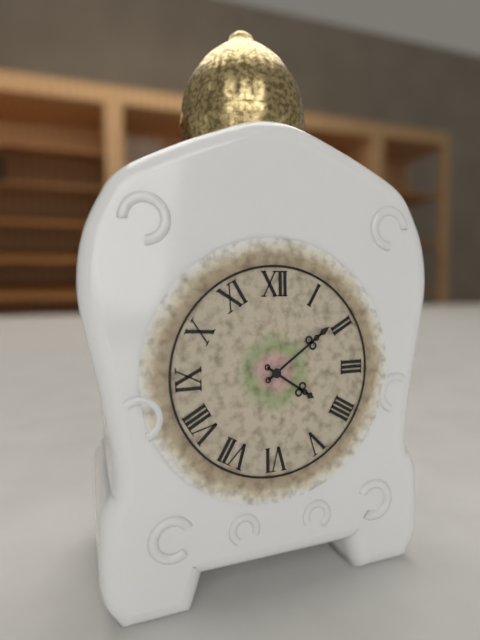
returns 4,09
